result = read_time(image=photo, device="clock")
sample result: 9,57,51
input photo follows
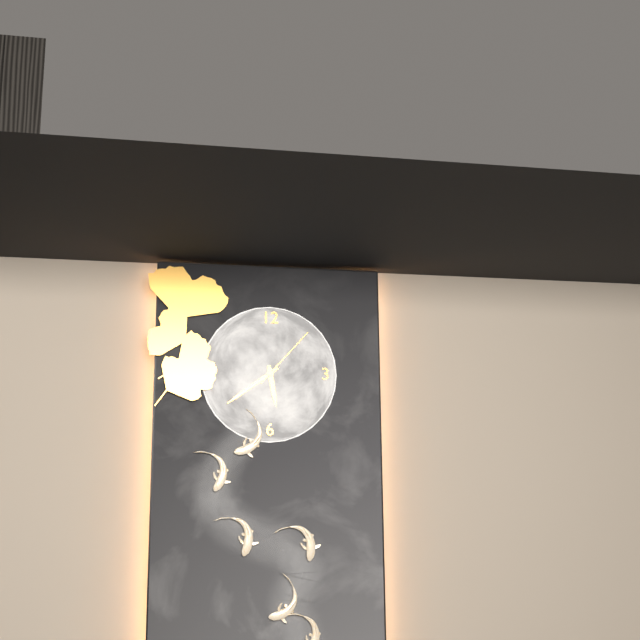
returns 5,39,07
